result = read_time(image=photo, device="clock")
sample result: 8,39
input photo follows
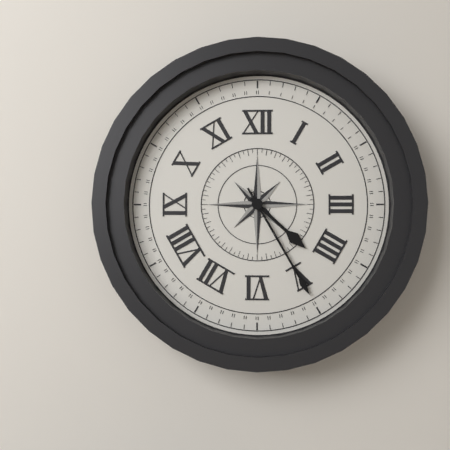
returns 4,25
